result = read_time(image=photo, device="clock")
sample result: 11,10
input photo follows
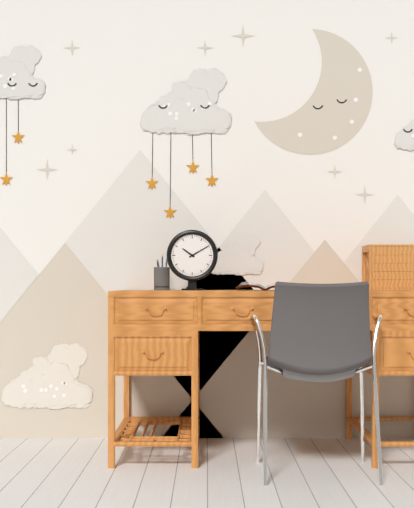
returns 10,10
